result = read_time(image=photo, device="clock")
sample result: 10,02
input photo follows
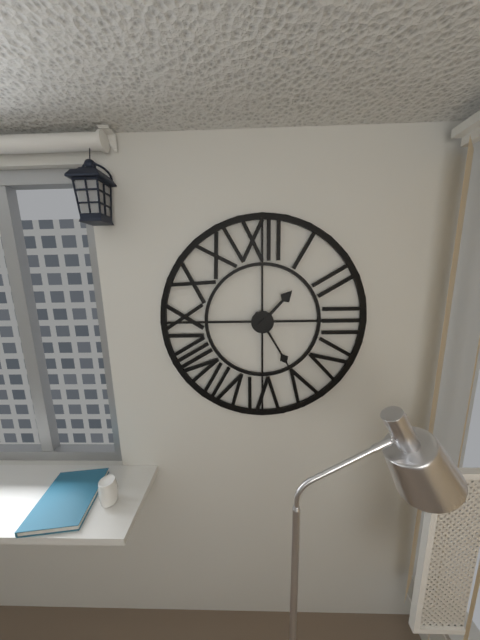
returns 1,25
